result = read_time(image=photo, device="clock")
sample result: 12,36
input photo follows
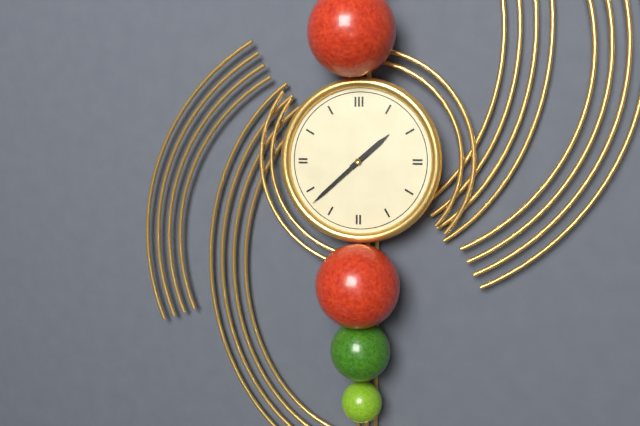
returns 1,38
